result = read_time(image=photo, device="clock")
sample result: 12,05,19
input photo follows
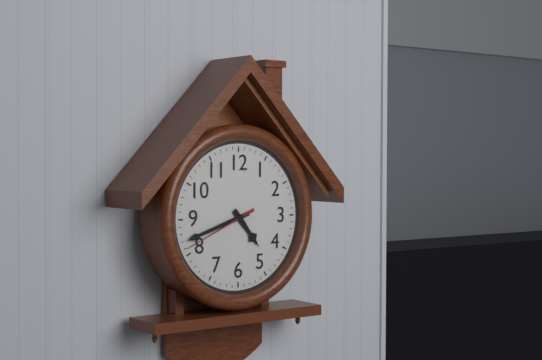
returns 4,42,41
